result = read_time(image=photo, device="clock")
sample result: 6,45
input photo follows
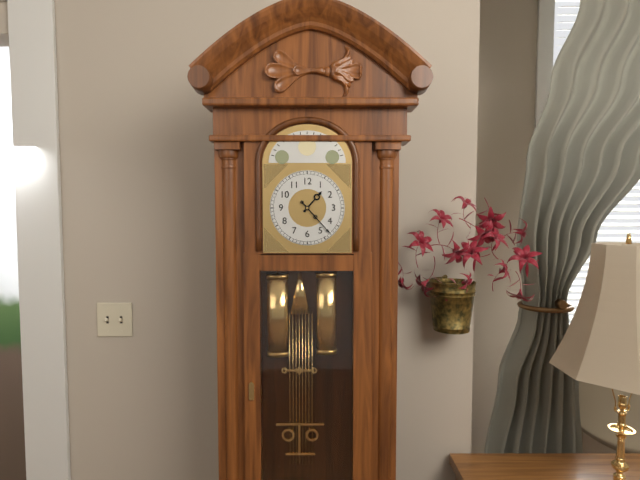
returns 1,23
